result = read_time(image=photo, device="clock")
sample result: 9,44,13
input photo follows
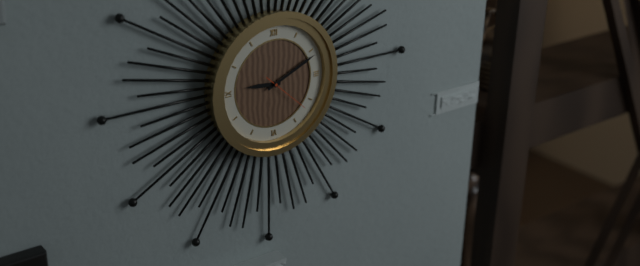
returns 9,11,22
